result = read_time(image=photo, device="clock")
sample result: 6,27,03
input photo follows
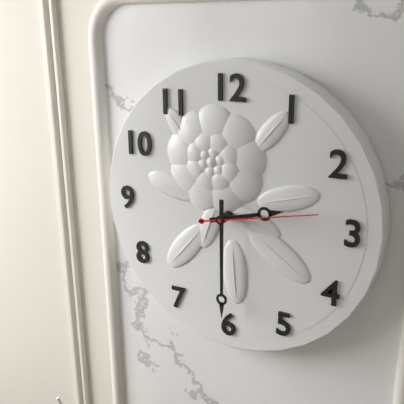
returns 2,30,13
